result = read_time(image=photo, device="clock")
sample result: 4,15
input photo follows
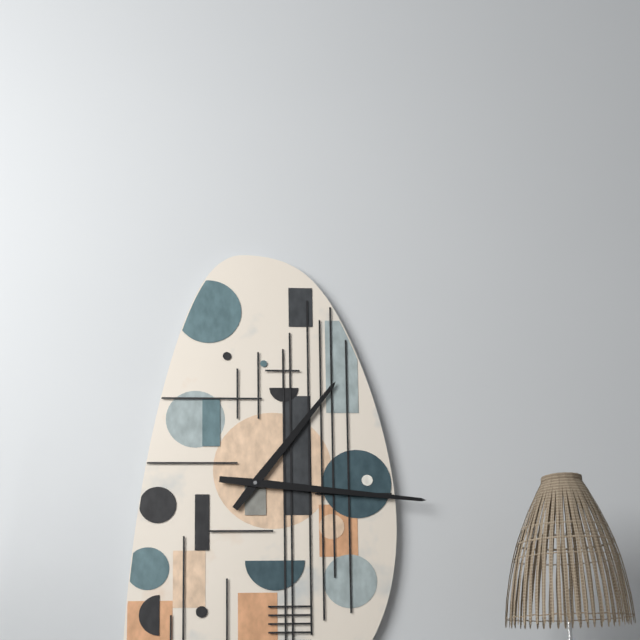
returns 1,16
